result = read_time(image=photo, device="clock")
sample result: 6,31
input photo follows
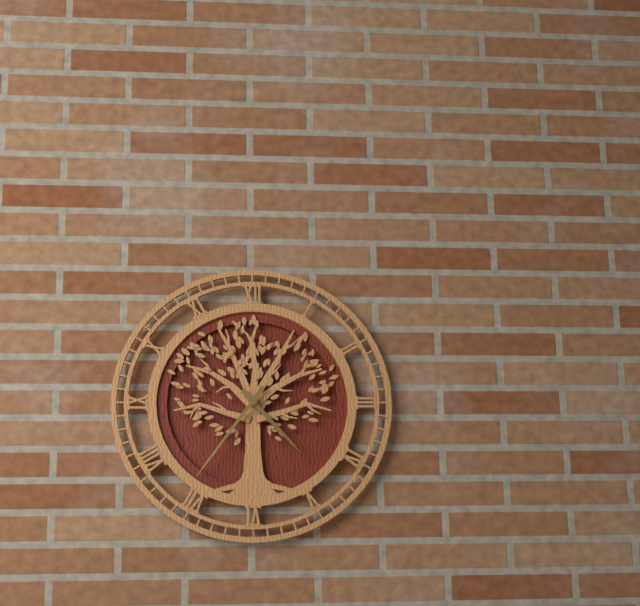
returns 4,36
